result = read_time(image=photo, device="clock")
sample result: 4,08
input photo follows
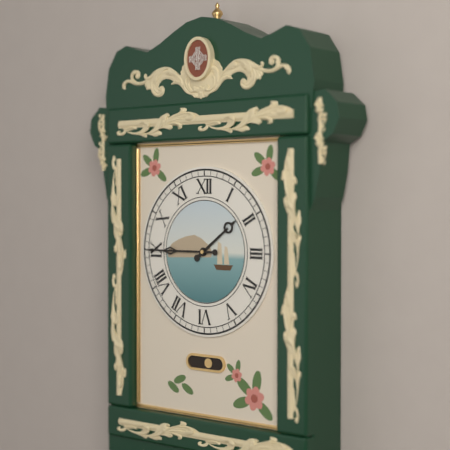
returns 1,45
